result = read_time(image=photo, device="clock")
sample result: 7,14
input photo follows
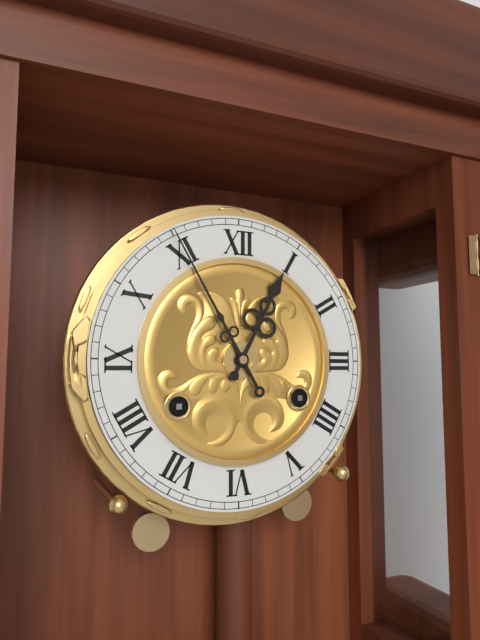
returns 12,55
